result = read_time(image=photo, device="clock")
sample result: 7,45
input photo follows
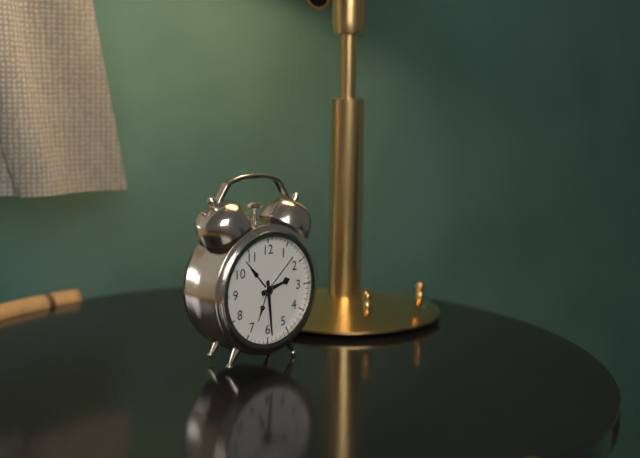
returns 2,29
